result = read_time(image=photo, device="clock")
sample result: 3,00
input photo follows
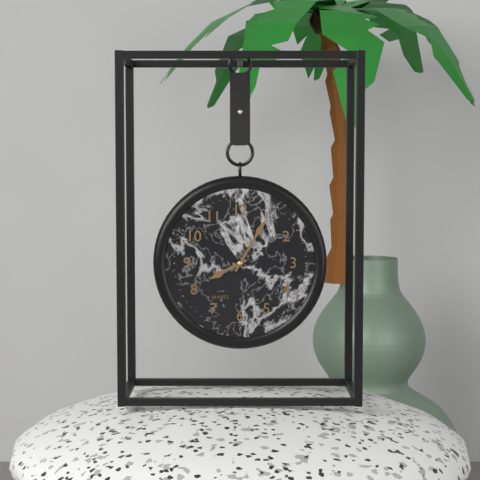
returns 8,05
